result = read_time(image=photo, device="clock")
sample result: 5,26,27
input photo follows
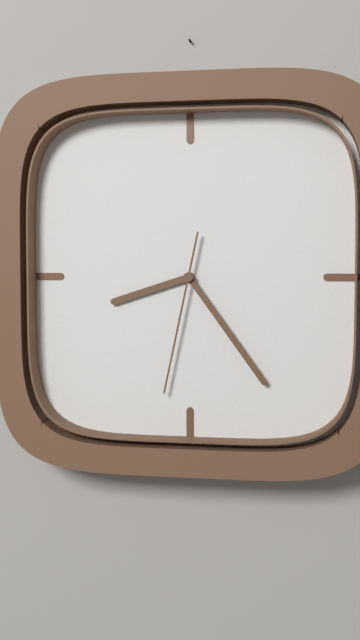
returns 8,24,32
